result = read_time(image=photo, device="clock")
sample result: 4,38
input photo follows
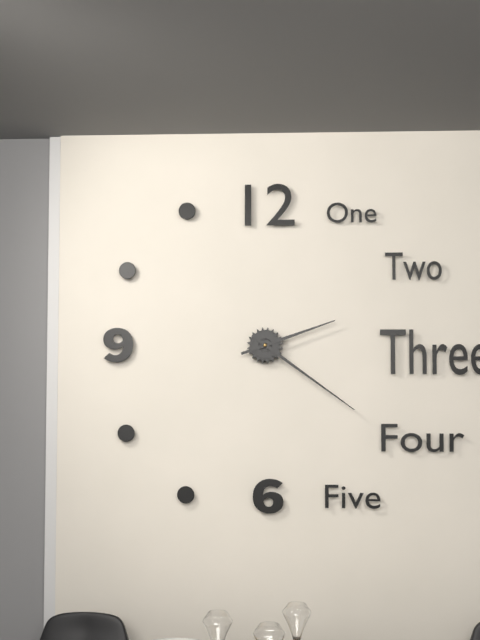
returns 2,21
